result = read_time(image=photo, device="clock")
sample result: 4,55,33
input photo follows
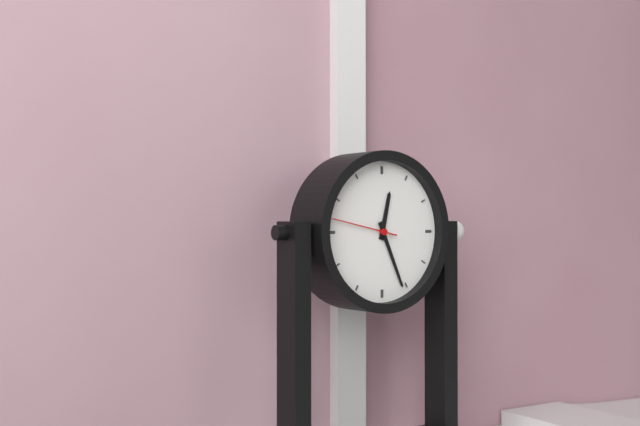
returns 12,26,47
